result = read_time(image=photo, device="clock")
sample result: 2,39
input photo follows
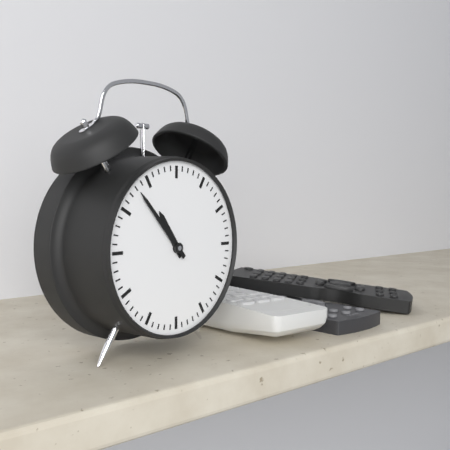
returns 10,53
